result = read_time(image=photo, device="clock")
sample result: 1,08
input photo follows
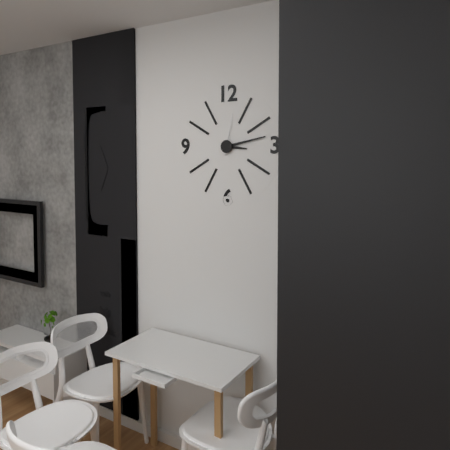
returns 3,13
